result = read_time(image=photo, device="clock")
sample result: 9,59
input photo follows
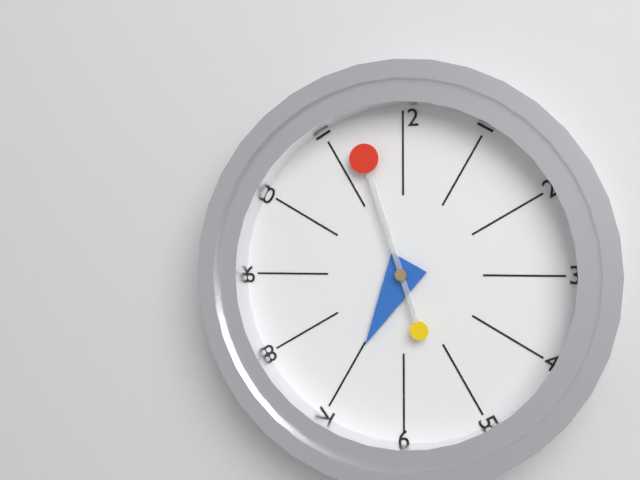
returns 6,57
